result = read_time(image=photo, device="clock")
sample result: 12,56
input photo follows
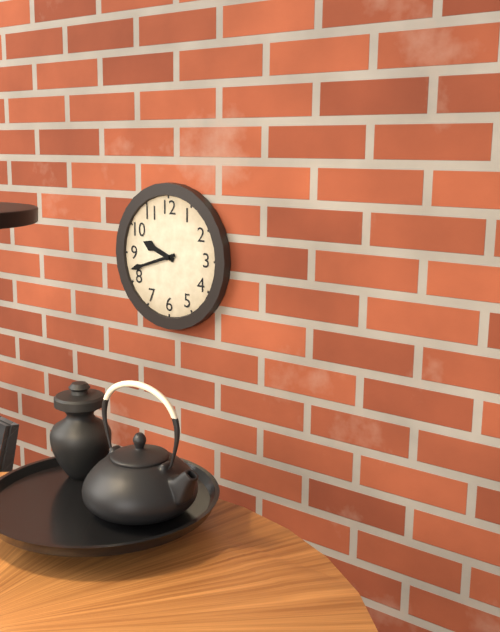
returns 9,42
